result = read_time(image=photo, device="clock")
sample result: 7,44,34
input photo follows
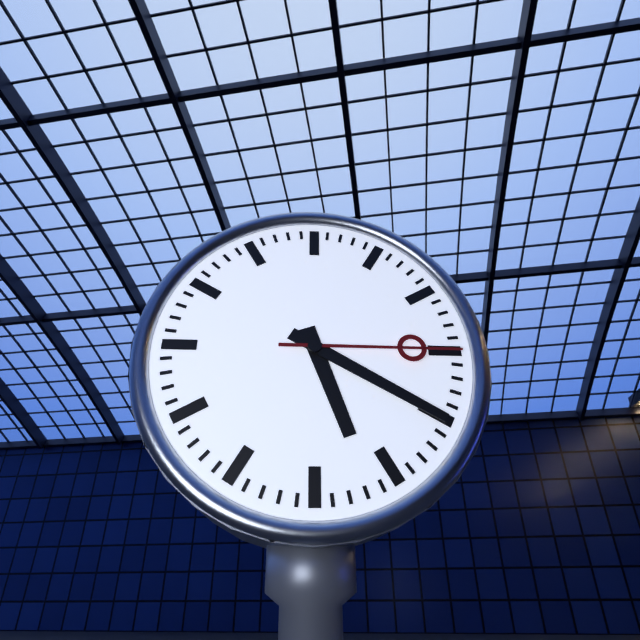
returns 5,20,15
